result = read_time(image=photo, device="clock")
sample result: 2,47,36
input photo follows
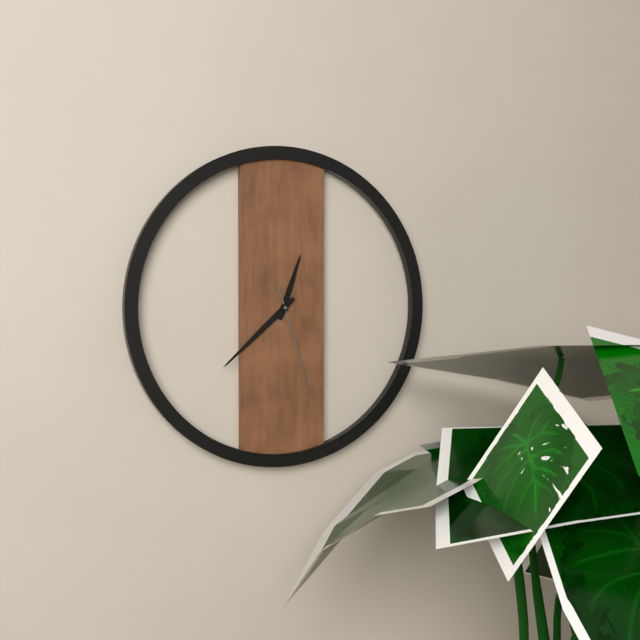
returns 12,38,27
